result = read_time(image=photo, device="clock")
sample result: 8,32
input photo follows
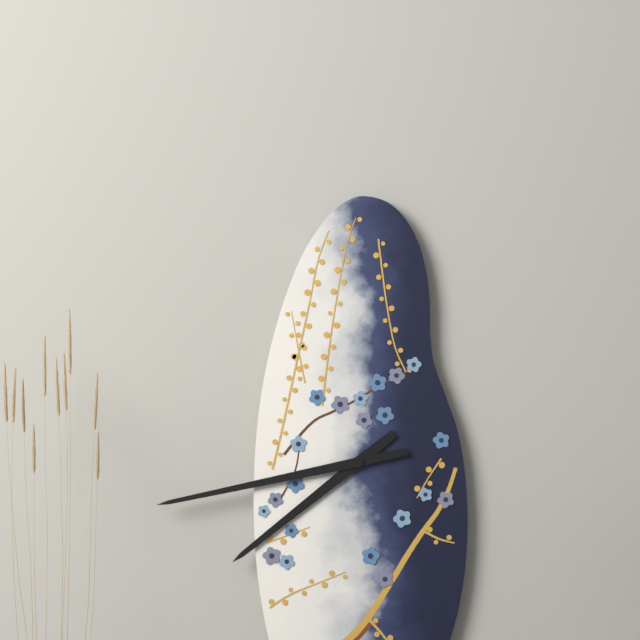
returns 7,43
